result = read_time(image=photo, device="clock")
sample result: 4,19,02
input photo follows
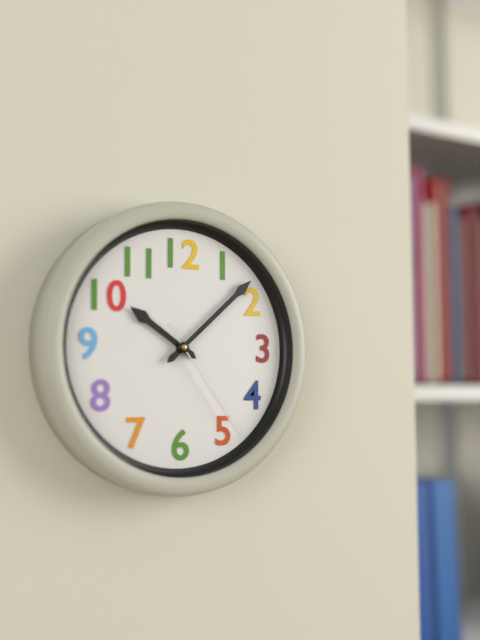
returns 10,08,24
